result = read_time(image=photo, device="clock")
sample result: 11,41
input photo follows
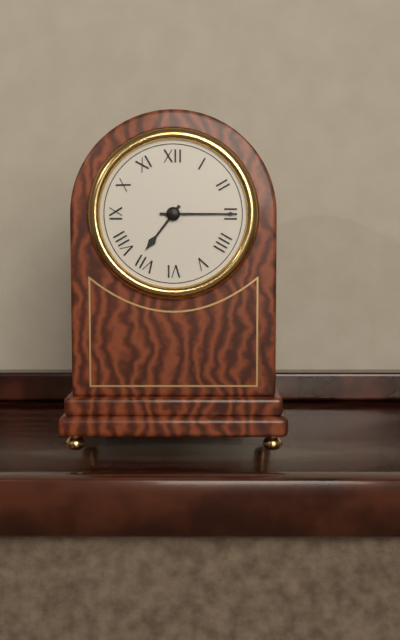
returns 7,15
